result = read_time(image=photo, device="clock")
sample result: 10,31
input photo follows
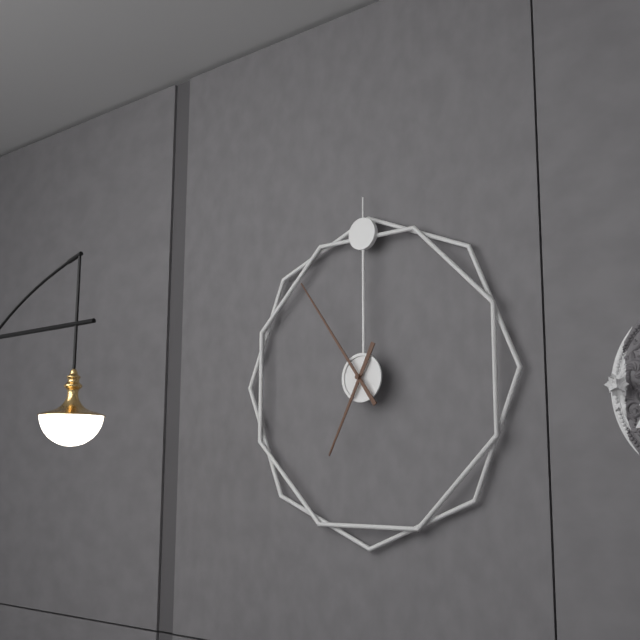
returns 6,54
